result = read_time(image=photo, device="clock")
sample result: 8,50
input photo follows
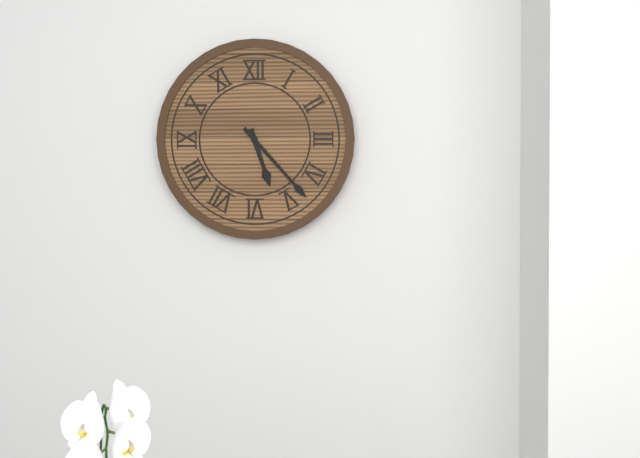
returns 5,23
